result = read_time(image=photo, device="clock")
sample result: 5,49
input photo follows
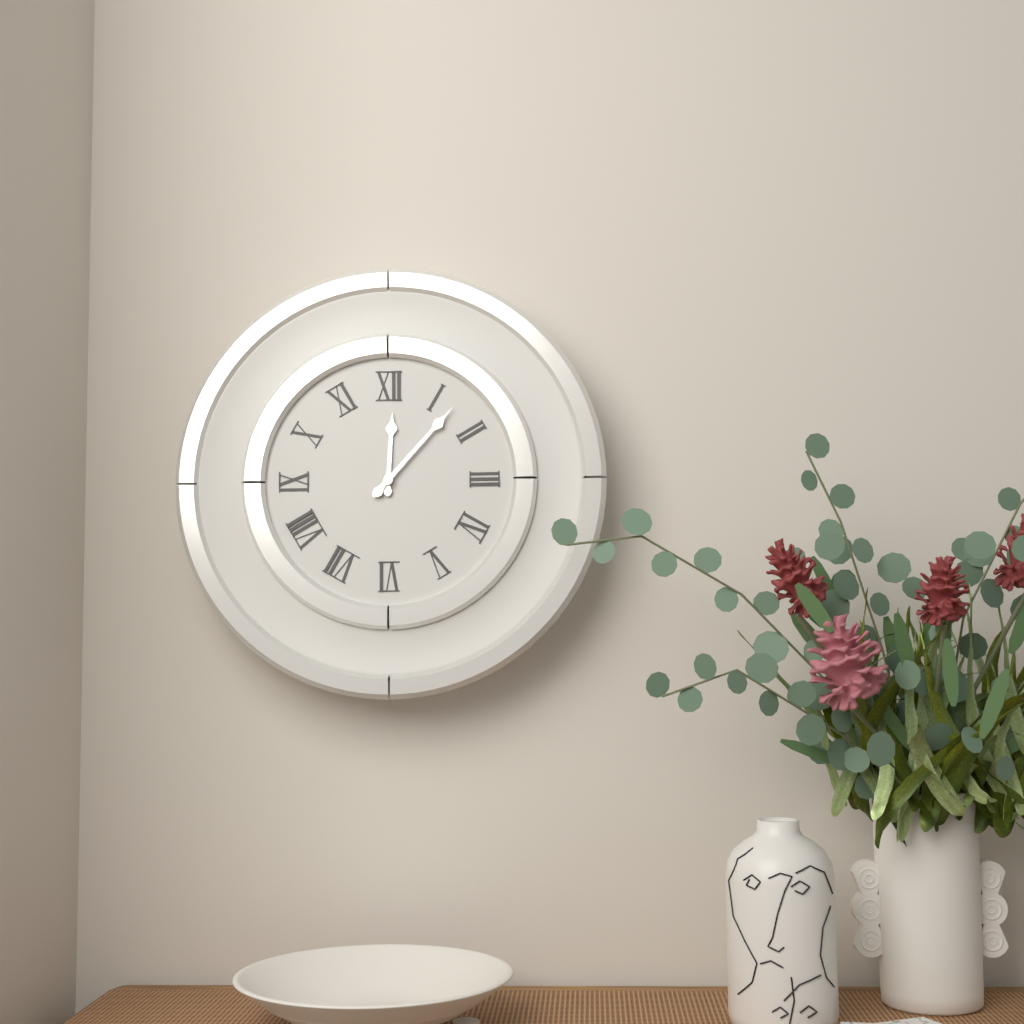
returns 12,07
